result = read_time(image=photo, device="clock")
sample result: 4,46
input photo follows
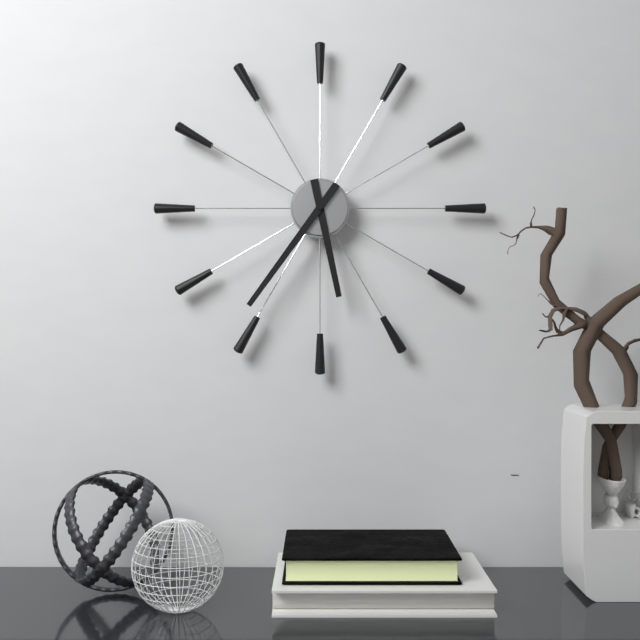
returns 5,36
